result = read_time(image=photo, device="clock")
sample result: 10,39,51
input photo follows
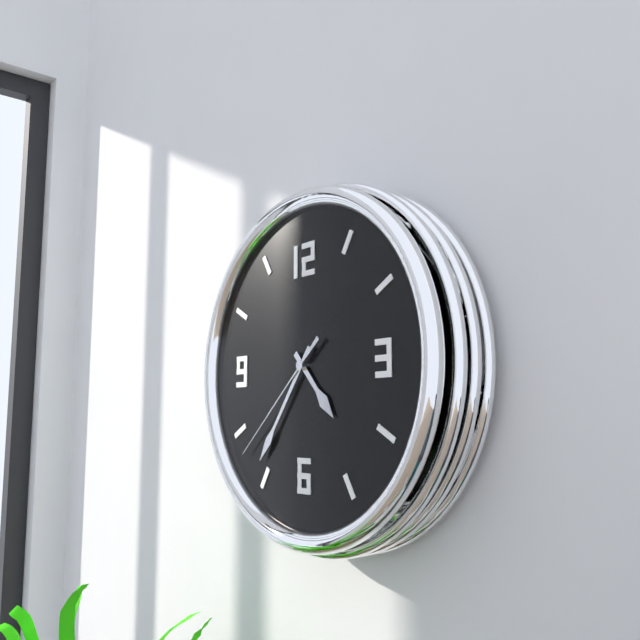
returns 4,36,38
